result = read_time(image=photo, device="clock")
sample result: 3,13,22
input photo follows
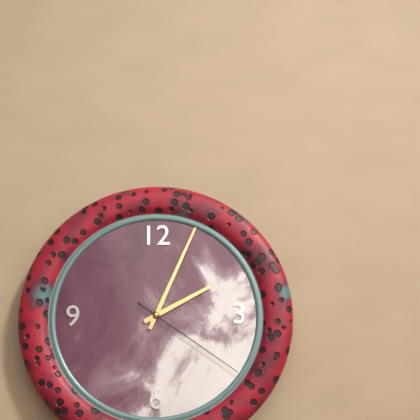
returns 2,04,21
